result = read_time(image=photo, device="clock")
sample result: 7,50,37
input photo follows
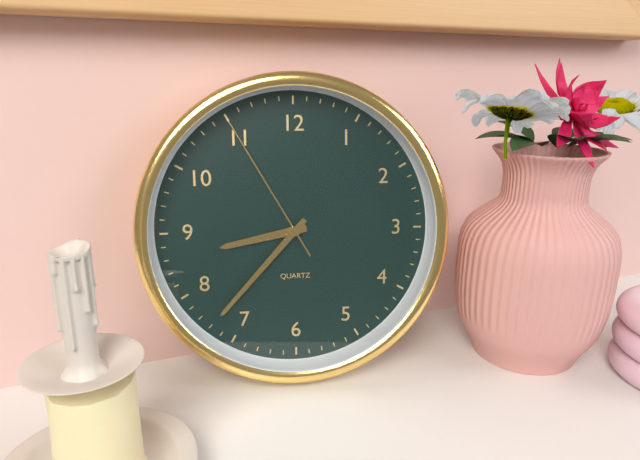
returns 8,37,55
